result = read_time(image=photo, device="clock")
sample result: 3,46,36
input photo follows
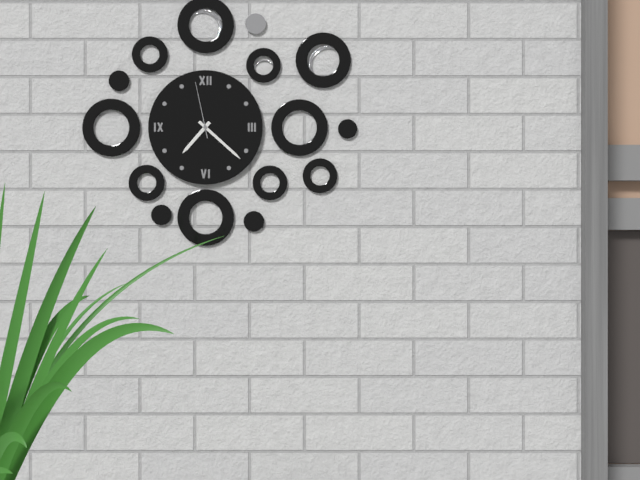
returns 7,22,58
